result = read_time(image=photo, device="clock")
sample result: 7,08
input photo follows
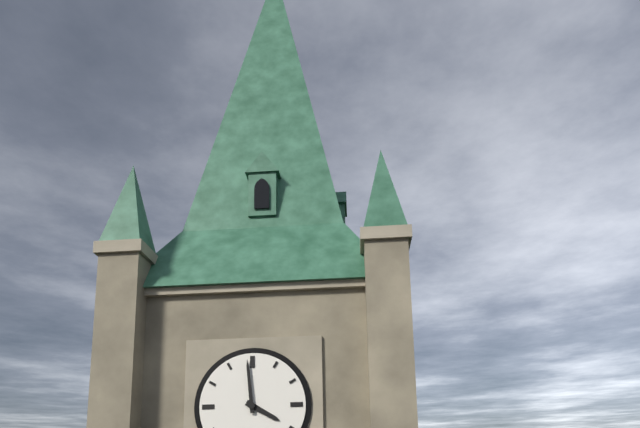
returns 3,59
